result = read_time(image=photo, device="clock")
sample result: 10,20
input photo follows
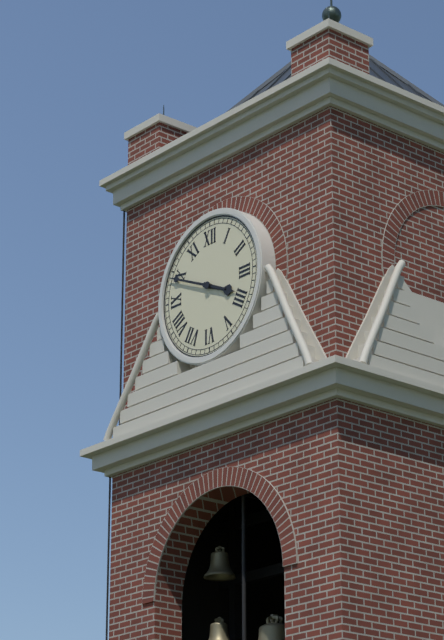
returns 3,49
